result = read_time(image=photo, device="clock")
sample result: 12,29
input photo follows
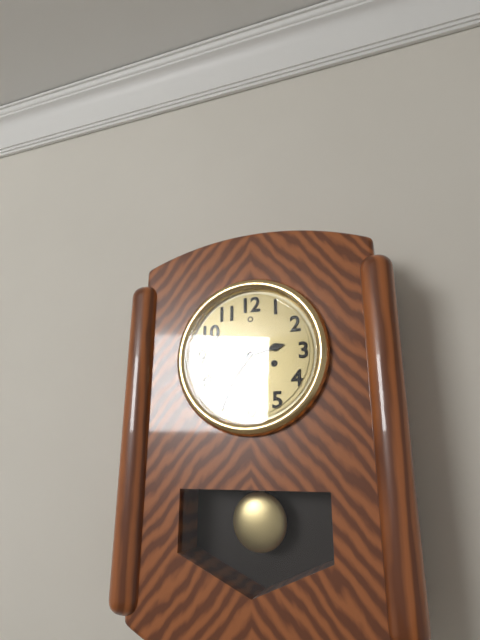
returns 2,36
